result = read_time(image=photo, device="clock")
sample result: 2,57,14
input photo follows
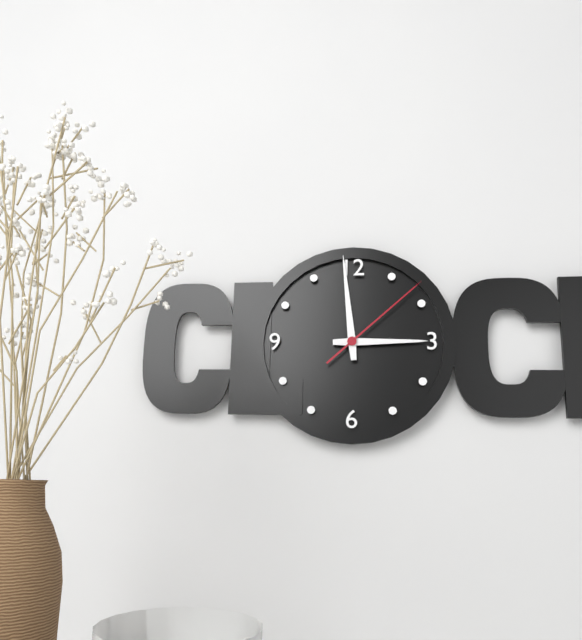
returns 2,59,08
